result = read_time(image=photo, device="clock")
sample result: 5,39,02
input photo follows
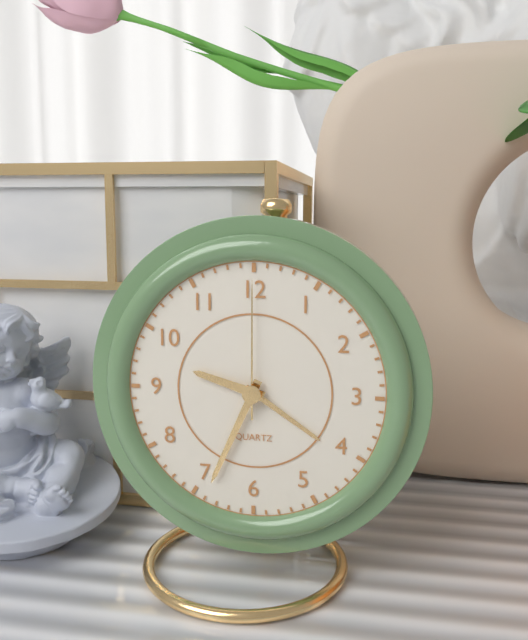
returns 9,34,00
